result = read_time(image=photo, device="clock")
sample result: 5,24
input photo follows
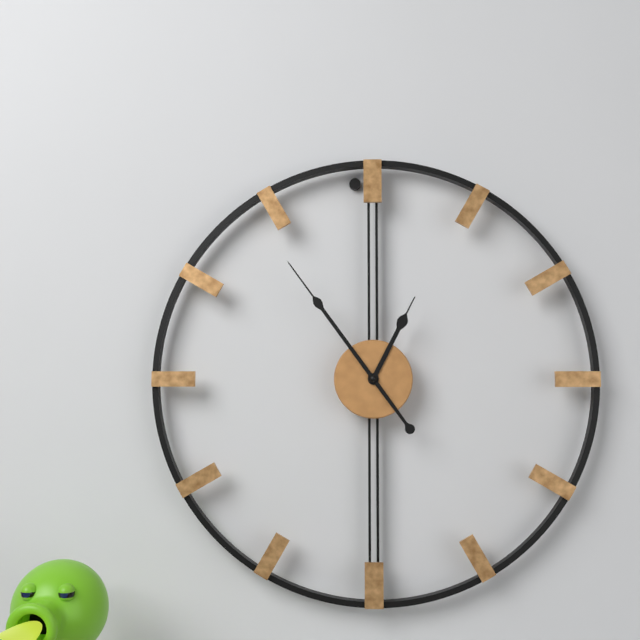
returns 12,54
